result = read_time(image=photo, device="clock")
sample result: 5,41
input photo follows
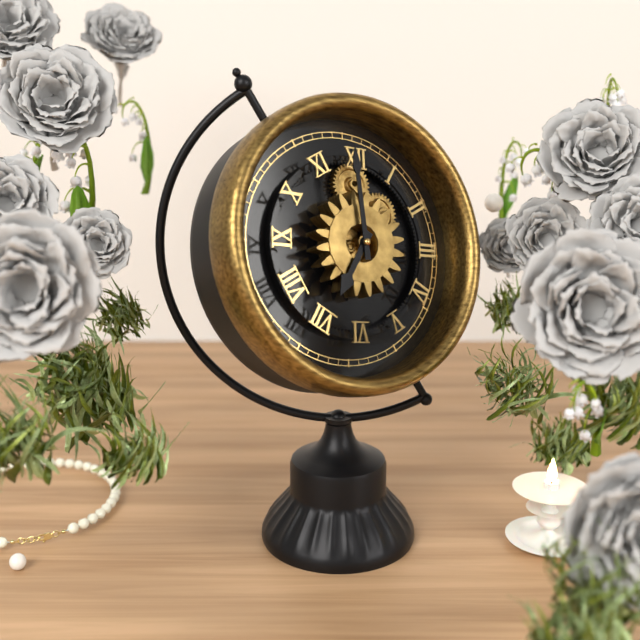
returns 6,59
